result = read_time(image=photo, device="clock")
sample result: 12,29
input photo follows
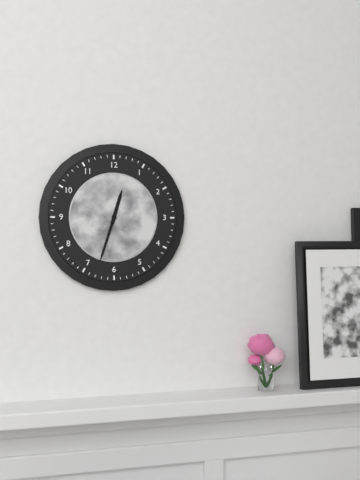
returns 12,33
